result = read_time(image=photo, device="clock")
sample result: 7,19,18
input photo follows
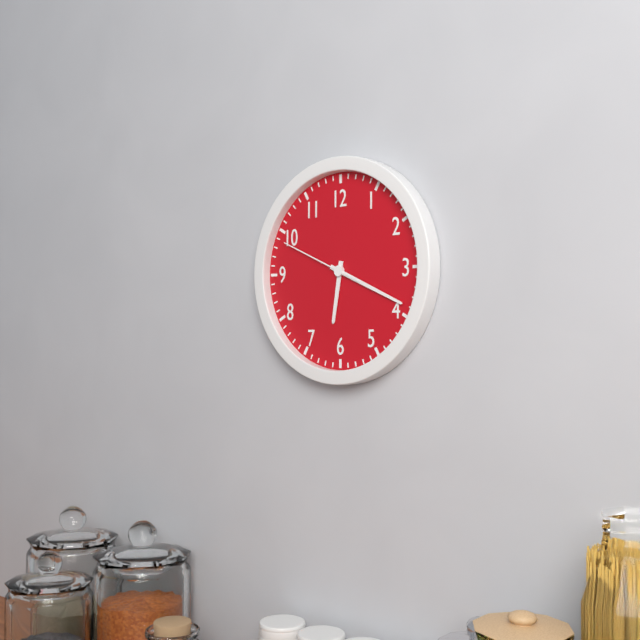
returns 6,19,49
